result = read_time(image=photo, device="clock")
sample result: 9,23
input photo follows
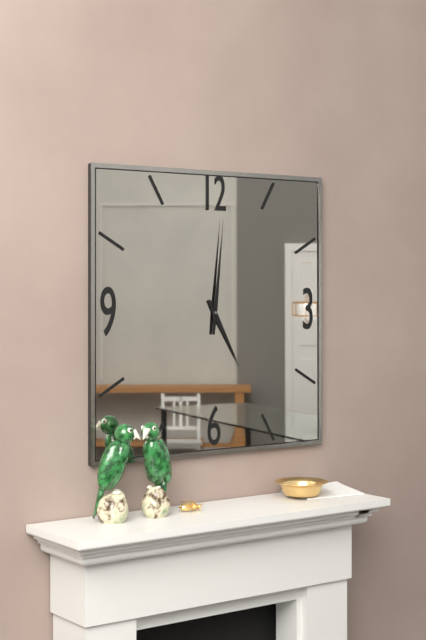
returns 5,01
